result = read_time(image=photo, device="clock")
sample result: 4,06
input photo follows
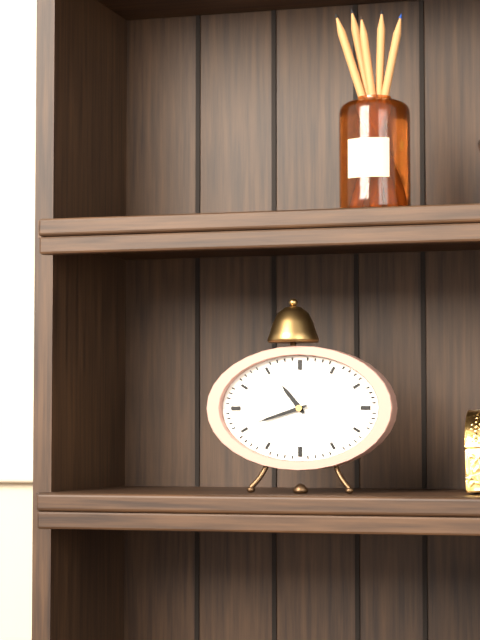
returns 10,42
